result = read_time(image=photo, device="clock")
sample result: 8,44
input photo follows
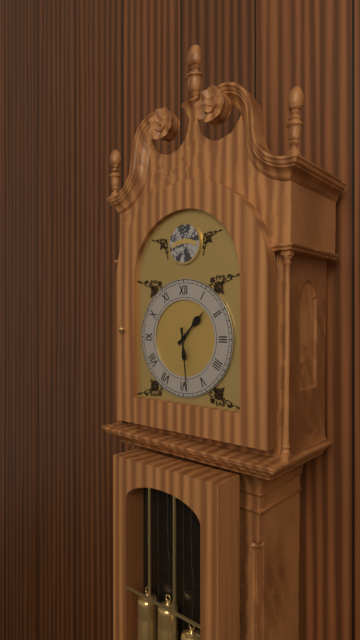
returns 1,29
